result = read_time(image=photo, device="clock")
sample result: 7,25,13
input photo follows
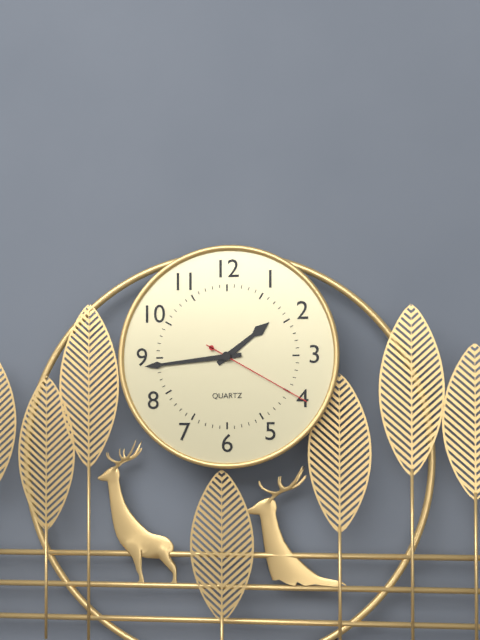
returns 1,44,20
